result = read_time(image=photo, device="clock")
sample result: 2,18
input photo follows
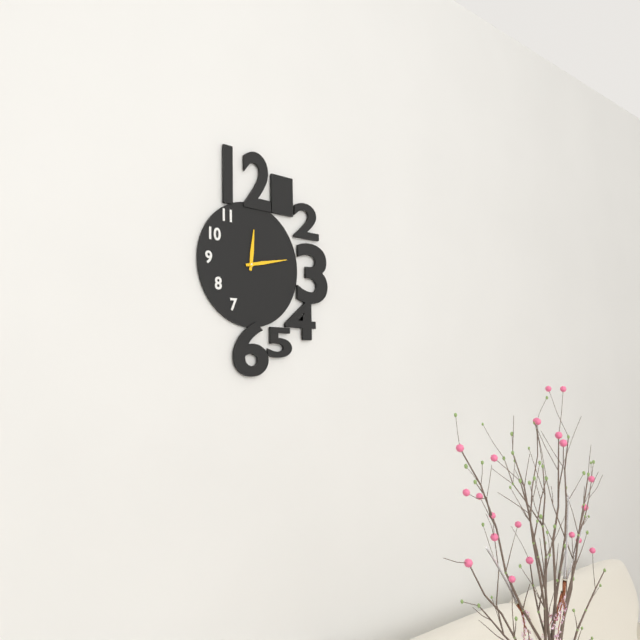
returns 12,13
